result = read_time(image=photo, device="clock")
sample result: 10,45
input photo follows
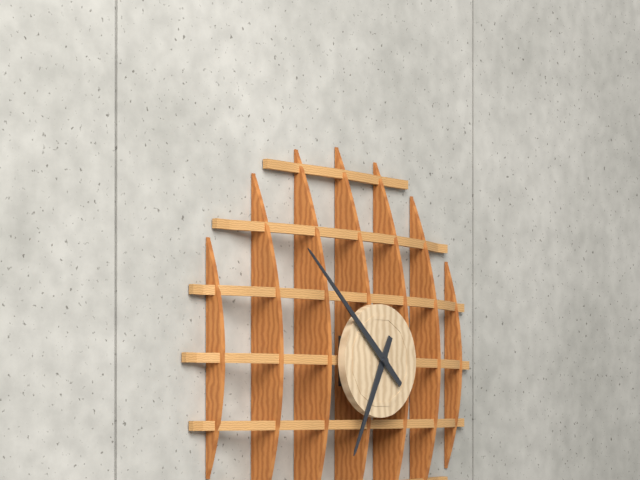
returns 6,52
